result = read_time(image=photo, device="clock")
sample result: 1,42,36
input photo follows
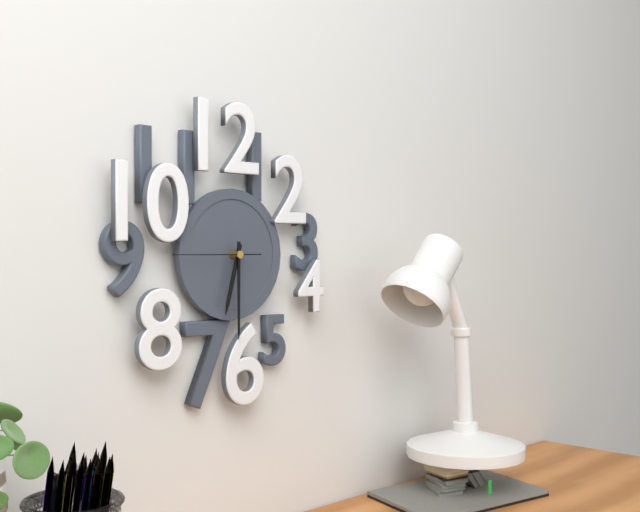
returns 6,30,45
